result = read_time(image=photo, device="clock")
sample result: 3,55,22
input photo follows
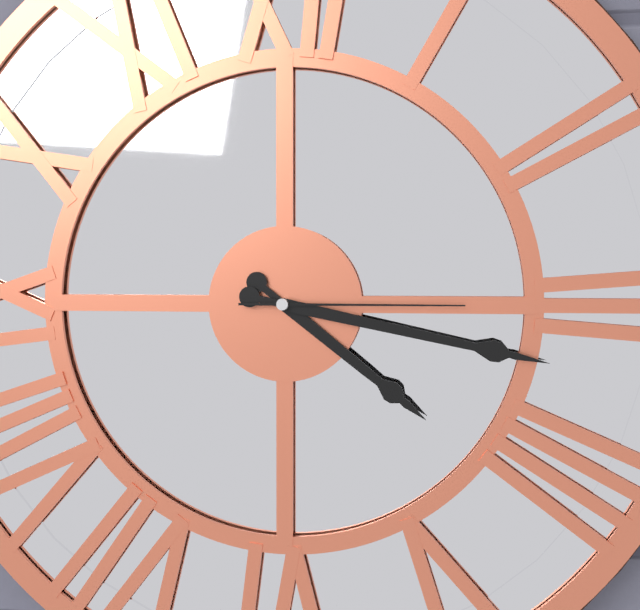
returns 4,17,15
